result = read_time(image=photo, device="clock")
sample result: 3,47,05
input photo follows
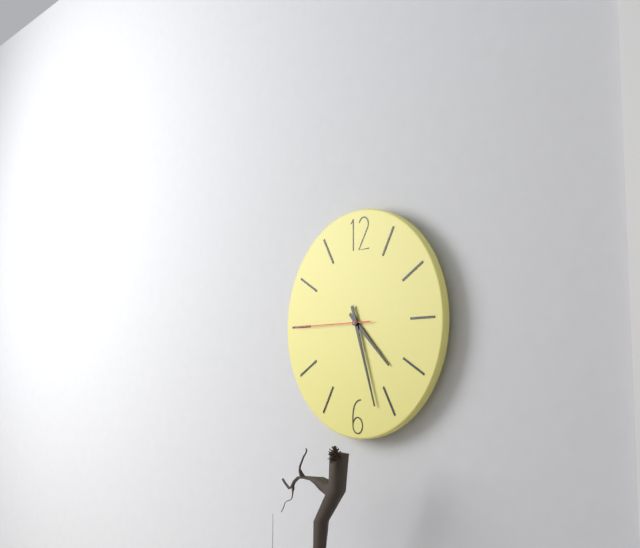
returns 4,27,45
